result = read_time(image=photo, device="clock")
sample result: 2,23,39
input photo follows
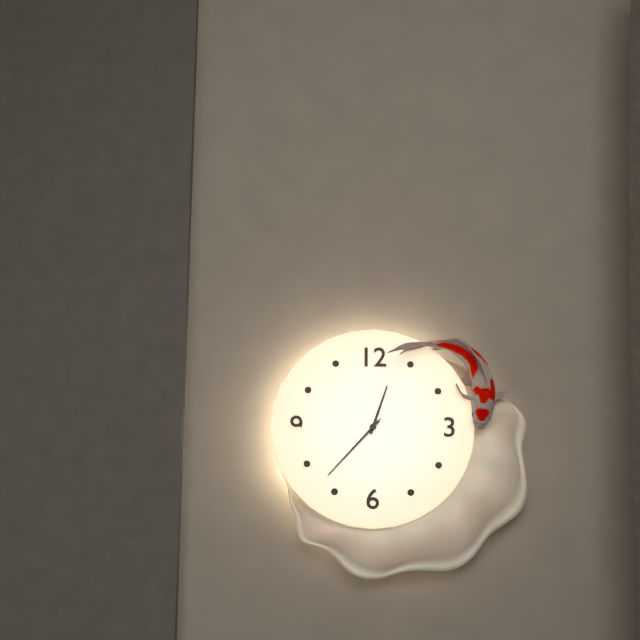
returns 12,37,37
